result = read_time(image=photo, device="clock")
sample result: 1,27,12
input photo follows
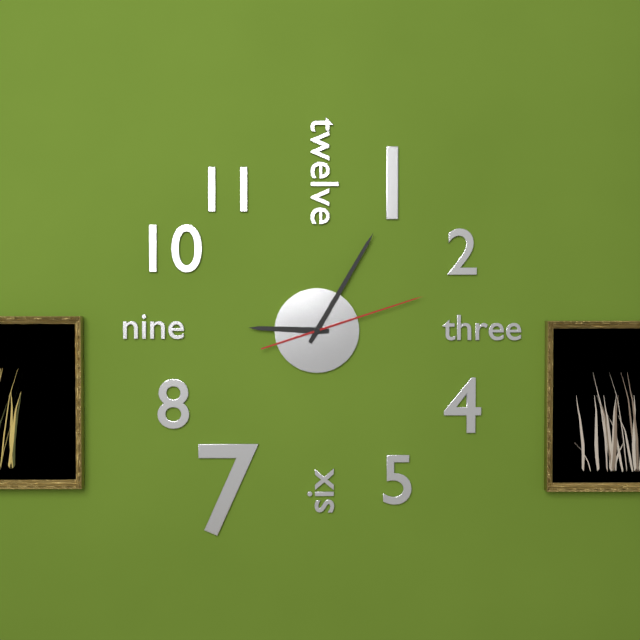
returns 9,05,12
